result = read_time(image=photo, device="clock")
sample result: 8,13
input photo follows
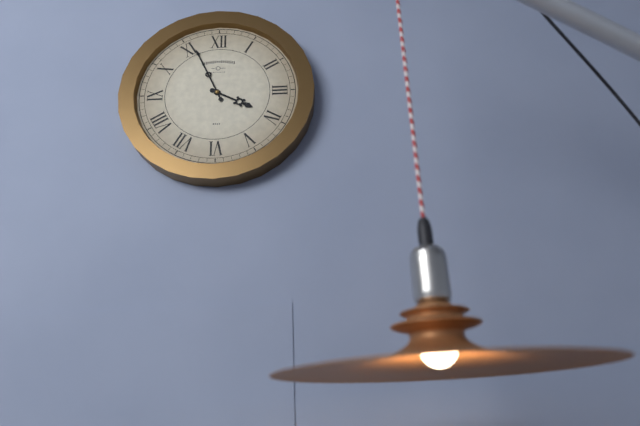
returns 3,56
